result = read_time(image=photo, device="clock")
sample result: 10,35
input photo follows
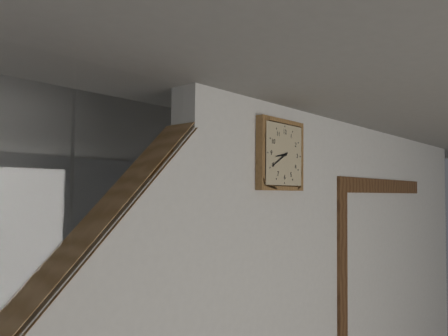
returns 8,40
